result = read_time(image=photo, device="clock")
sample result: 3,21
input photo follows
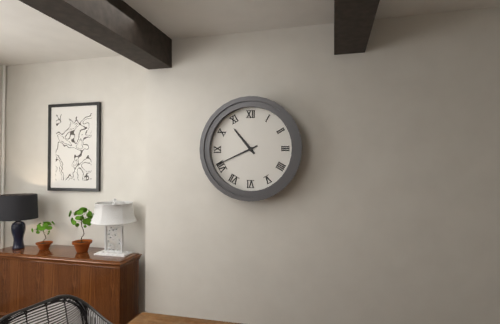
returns 10,41
